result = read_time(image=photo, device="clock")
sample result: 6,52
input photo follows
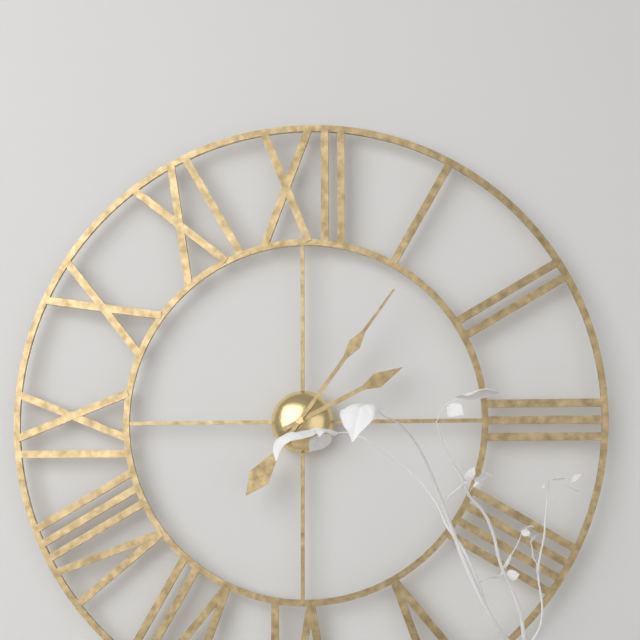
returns 2,06
